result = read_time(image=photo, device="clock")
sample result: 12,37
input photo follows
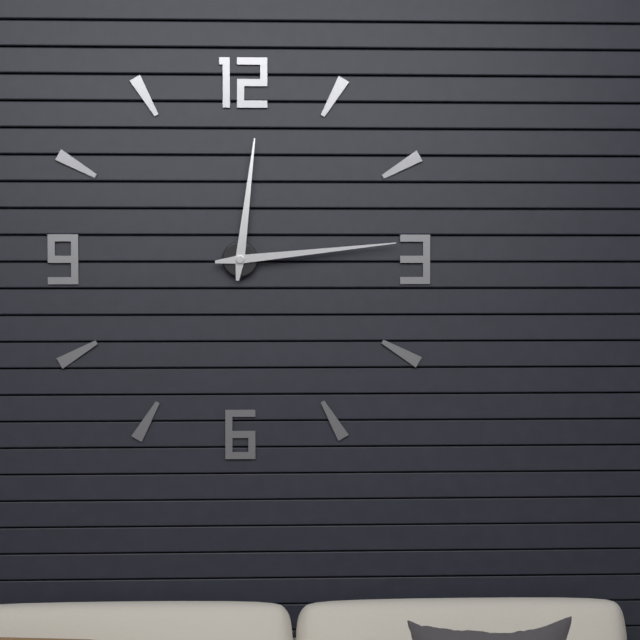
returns 12,14
